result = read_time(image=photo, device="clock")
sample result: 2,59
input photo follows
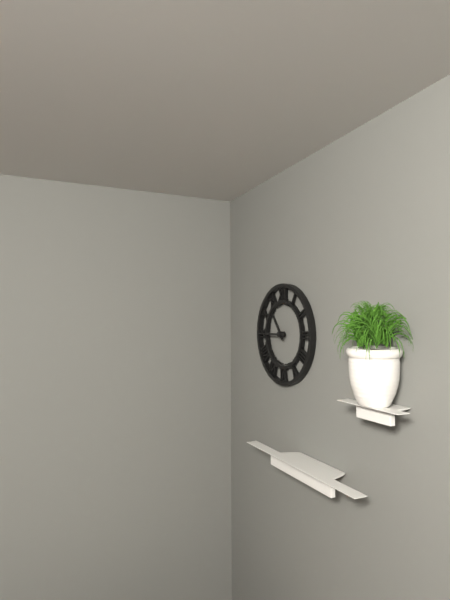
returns 10,45
